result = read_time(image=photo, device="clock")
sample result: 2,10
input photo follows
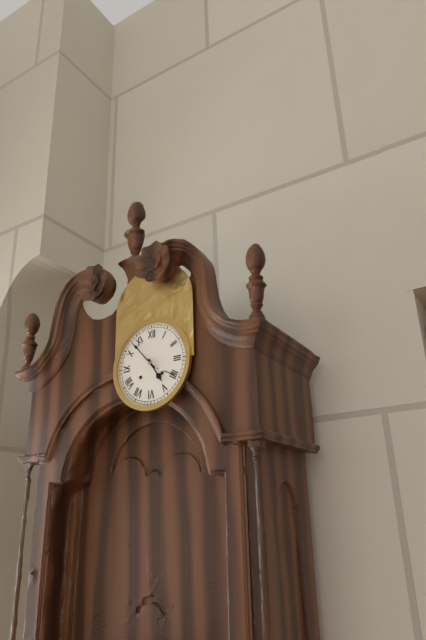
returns 4,53
